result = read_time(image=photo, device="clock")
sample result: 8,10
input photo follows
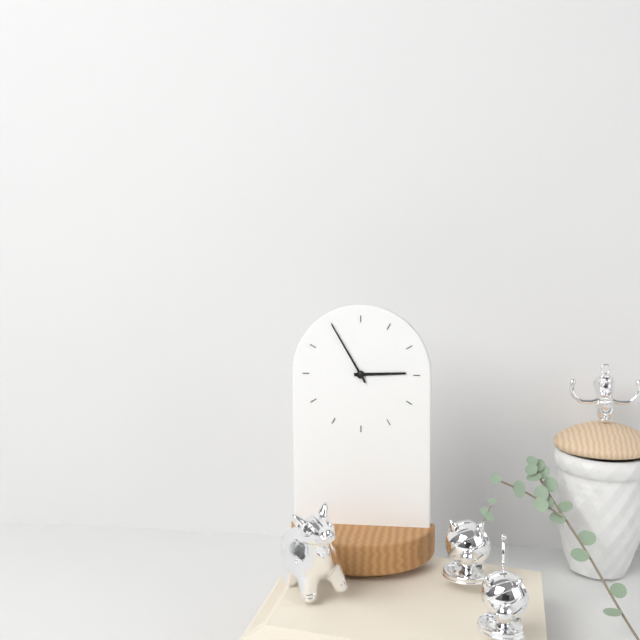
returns 2,55
